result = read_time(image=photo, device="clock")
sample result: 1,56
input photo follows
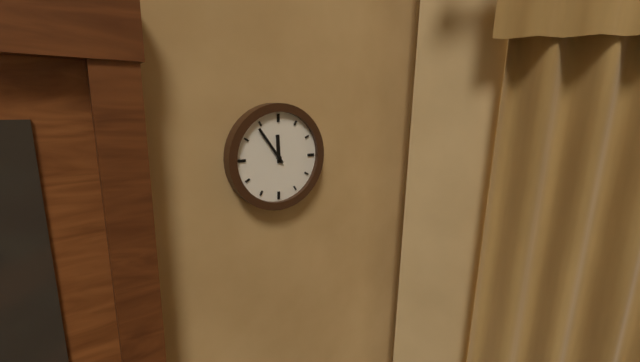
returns 11,54
